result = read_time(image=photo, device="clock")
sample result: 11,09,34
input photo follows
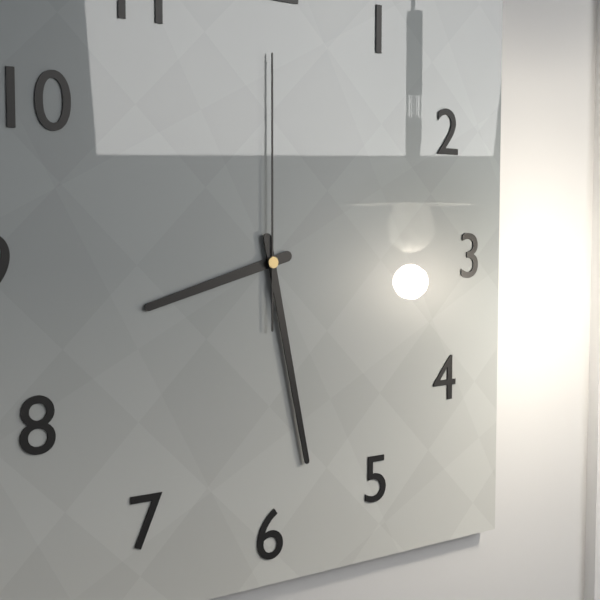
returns 8,28,00
